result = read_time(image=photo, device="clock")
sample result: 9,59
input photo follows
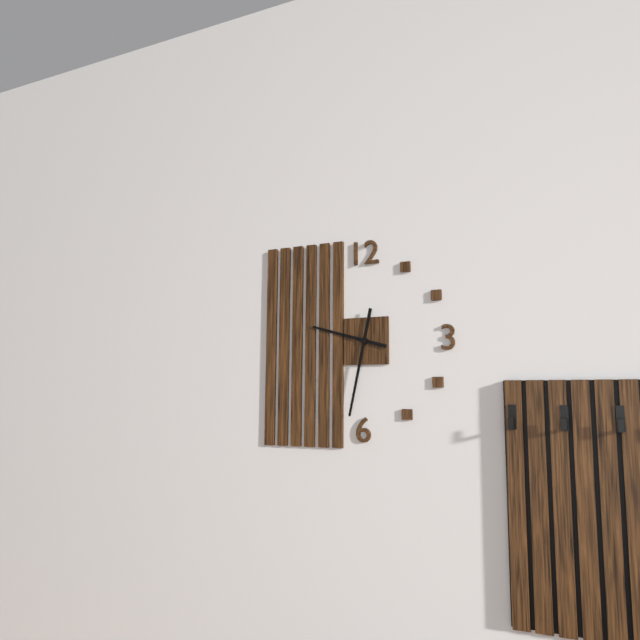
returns 9,32
